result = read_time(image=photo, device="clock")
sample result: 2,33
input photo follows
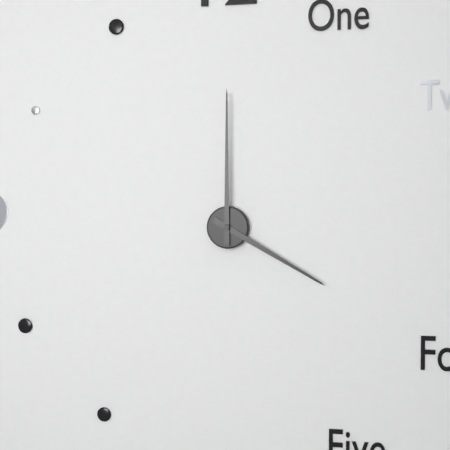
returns 4,00
